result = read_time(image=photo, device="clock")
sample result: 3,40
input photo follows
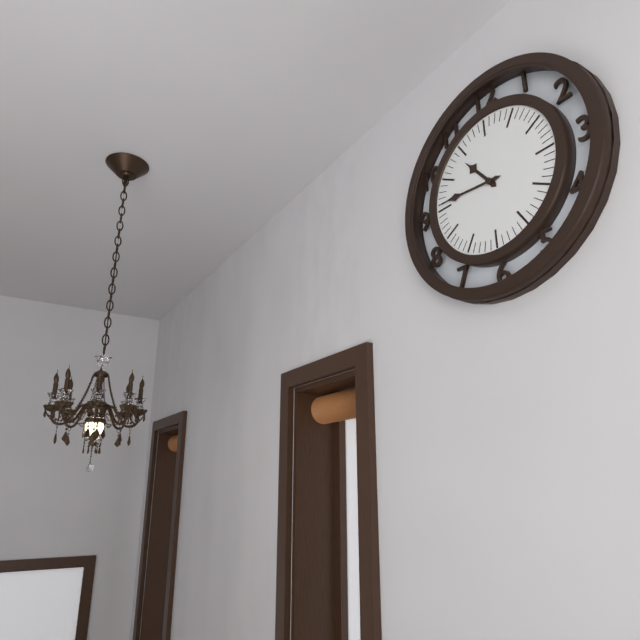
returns 10,46
